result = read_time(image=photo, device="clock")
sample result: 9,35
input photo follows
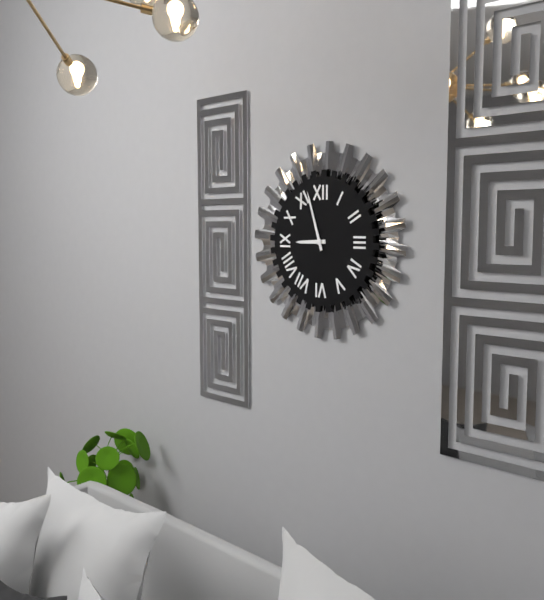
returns 8,57
